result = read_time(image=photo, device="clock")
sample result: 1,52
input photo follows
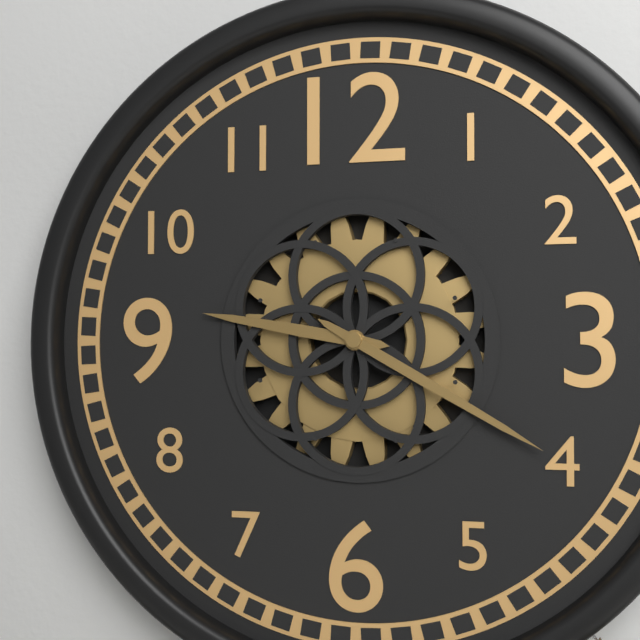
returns 9,20
